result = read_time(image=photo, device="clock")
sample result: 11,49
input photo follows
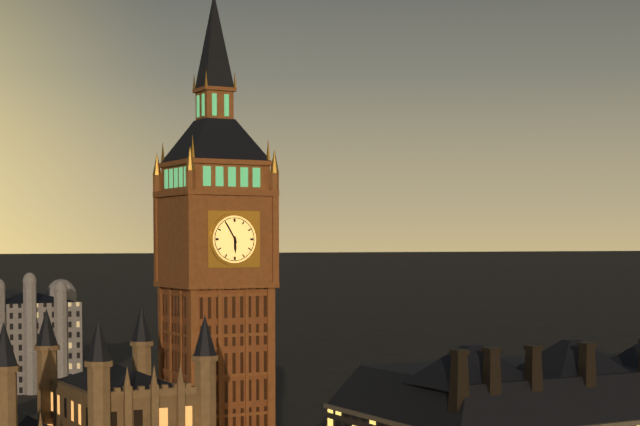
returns 5,55
